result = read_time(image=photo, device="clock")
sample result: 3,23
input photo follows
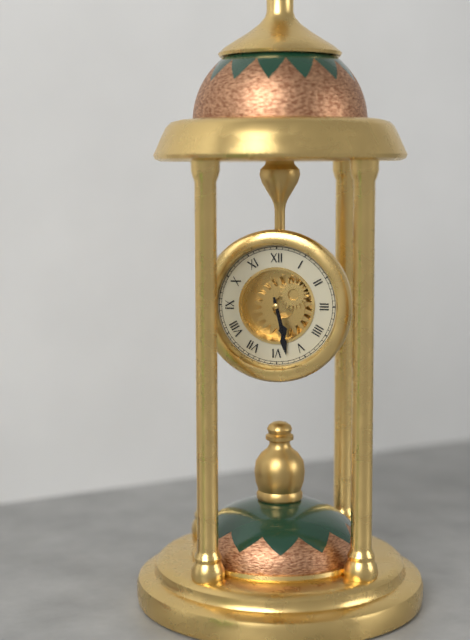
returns 5,28
